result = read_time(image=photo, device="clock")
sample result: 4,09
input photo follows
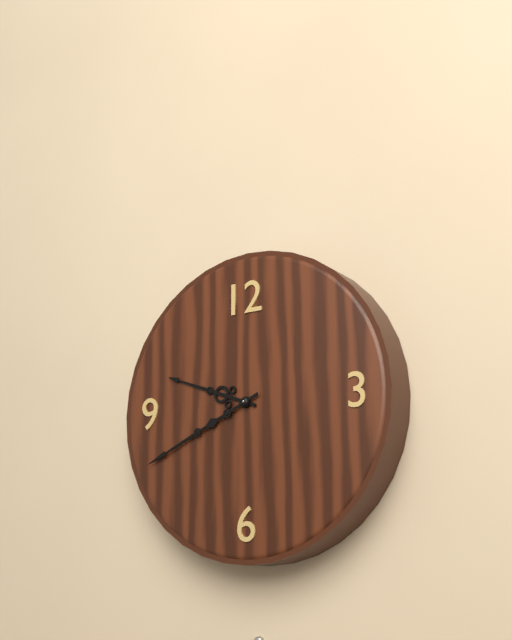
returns 9,41
